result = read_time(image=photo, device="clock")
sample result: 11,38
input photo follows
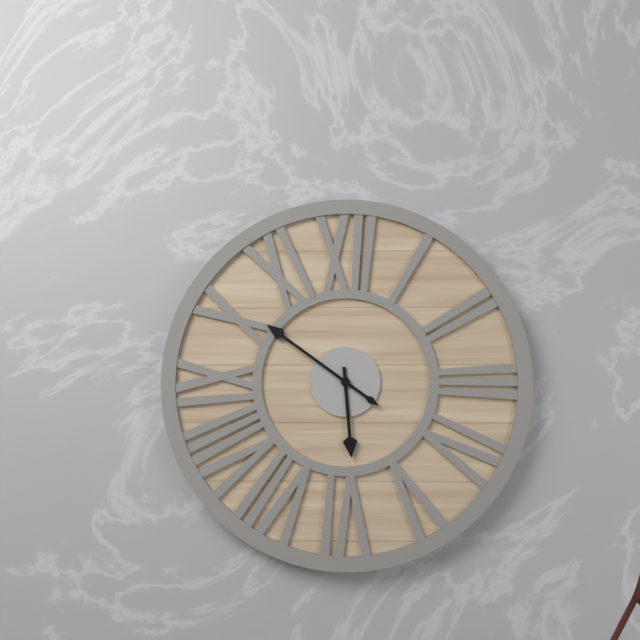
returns 5,51
